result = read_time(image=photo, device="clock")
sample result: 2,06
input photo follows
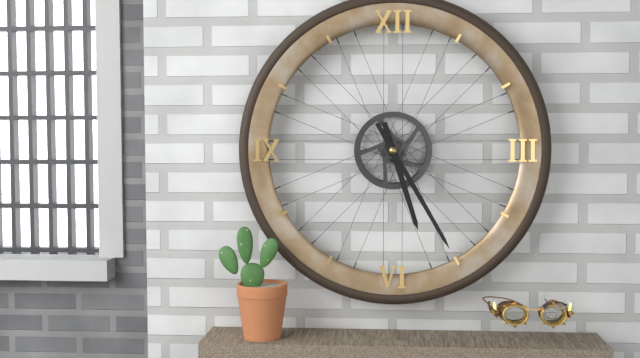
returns 5,25
